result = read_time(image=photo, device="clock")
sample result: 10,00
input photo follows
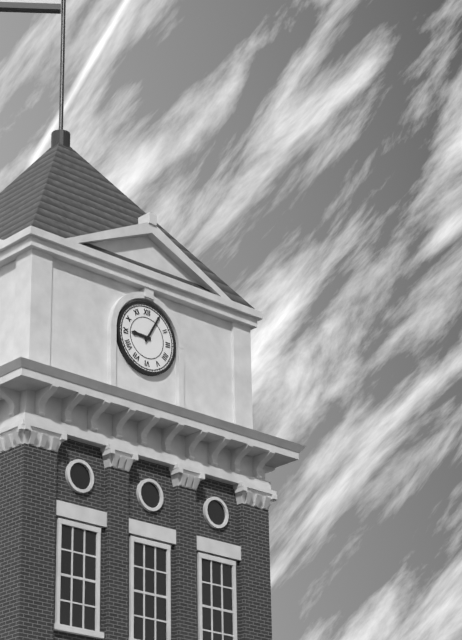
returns 9,05
